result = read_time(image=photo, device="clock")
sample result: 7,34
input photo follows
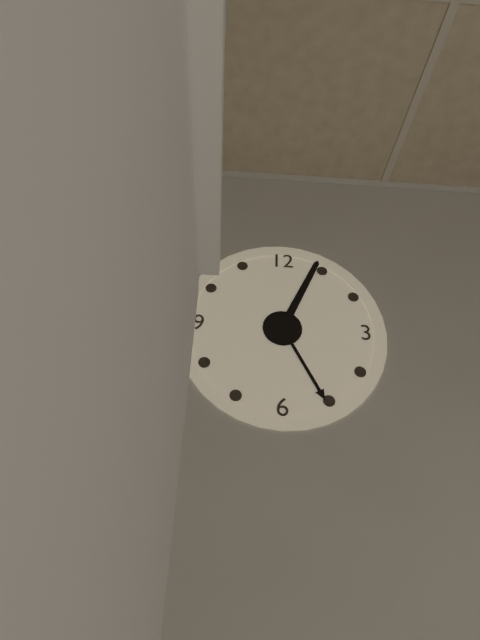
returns 5,04
